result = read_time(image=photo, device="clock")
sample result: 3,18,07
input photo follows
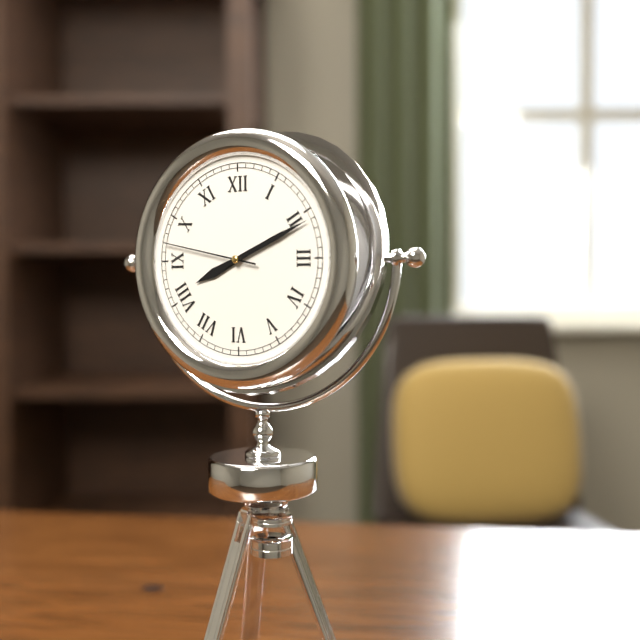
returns 8,11,47
